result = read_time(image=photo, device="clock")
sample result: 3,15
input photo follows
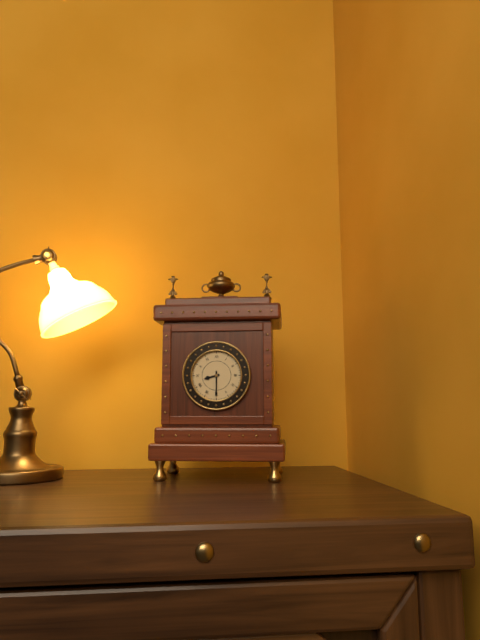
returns 8,30
